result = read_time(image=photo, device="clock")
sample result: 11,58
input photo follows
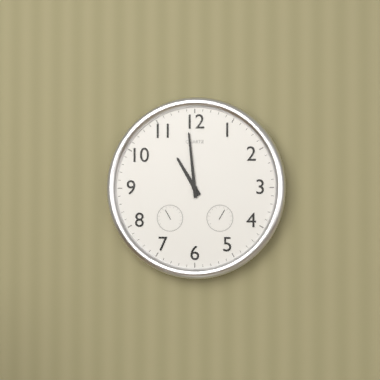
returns 10,59
